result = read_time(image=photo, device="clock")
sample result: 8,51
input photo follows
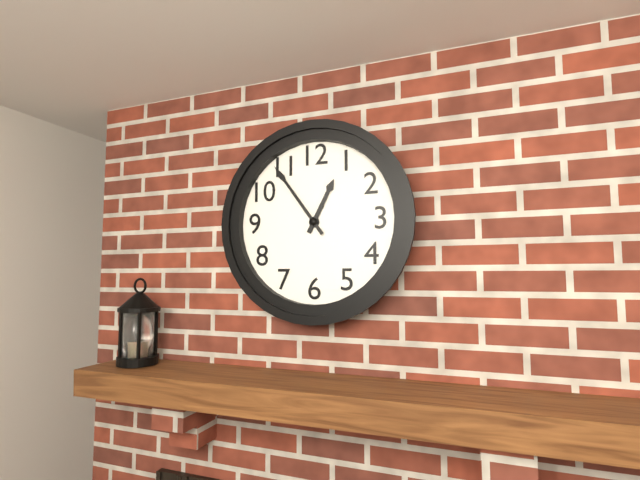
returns 12,54
